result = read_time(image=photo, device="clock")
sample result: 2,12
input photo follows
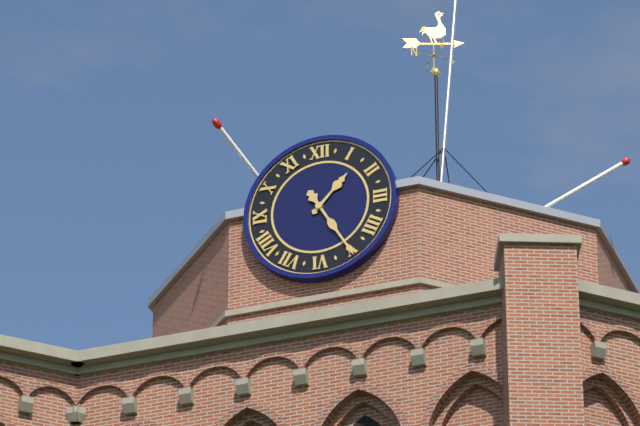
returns 1,25
